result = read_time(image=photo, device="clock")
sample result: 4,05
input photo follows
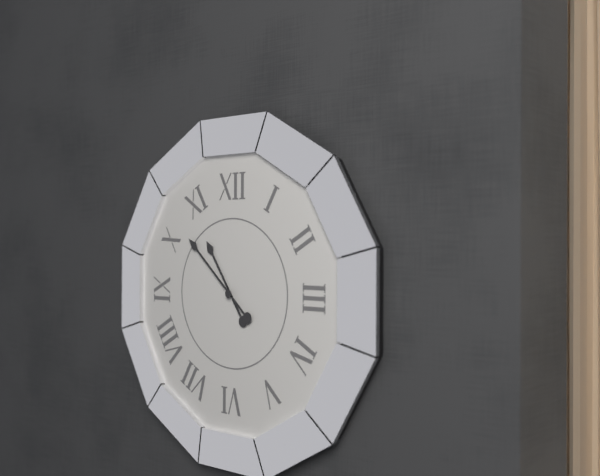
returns 10,52
